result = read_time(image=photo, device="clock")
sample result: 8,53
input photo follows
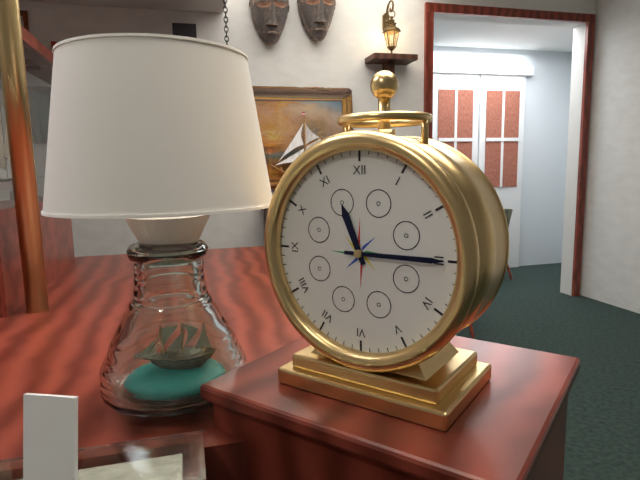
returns 11,15
